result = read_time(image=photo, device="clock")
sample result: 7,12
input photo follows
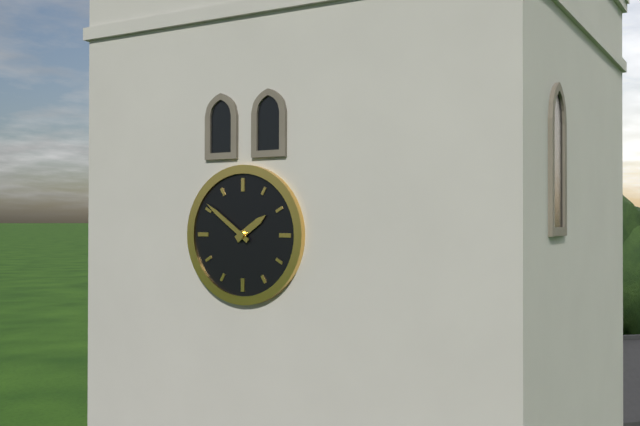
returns 1,51
